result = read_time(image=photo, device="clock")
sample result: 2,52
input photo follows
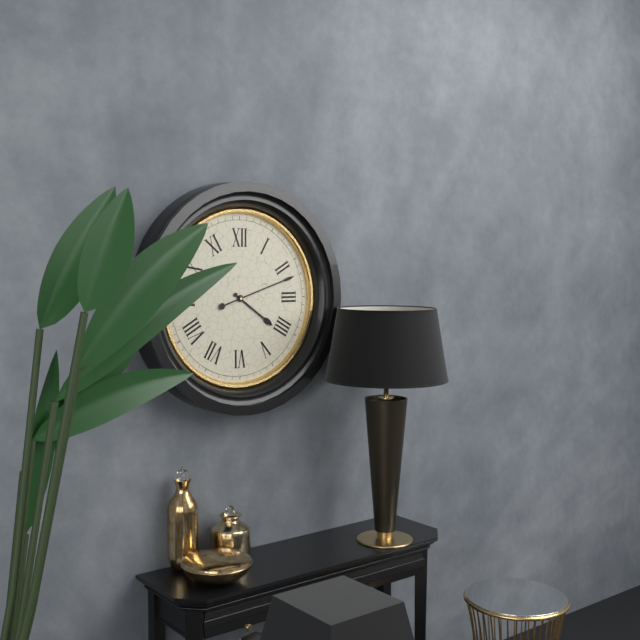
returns 4,12
